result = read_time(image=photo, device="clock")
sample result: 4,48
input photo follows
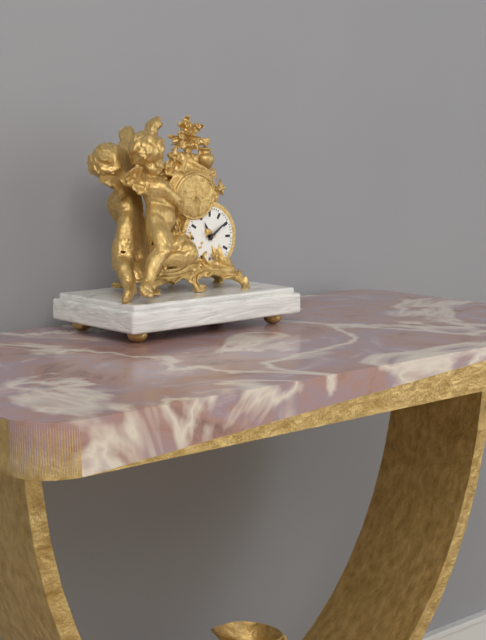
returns 11,09
